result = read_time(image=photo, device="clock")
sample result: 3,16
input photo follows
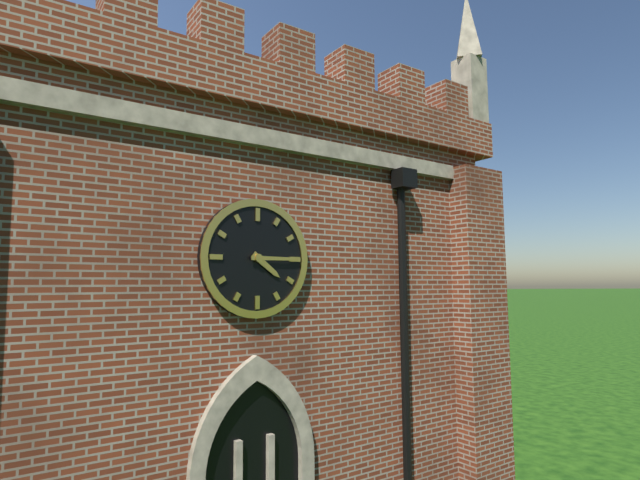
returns 4,15
